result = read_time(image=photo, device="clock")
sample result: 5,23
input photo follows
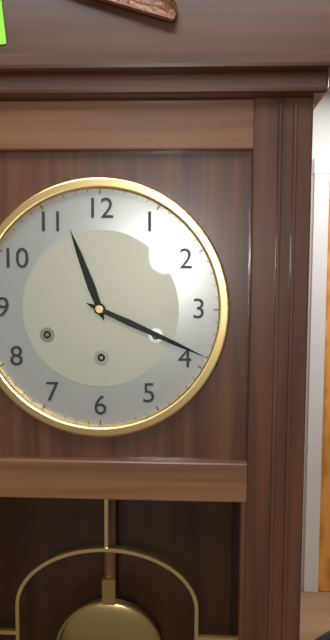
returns 11,19
